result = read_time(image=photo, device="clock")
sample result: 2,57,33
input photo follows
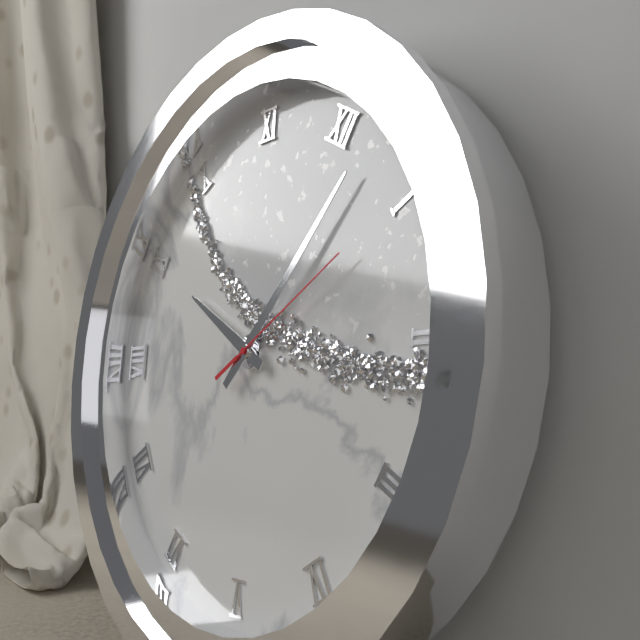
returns 9,02,05
